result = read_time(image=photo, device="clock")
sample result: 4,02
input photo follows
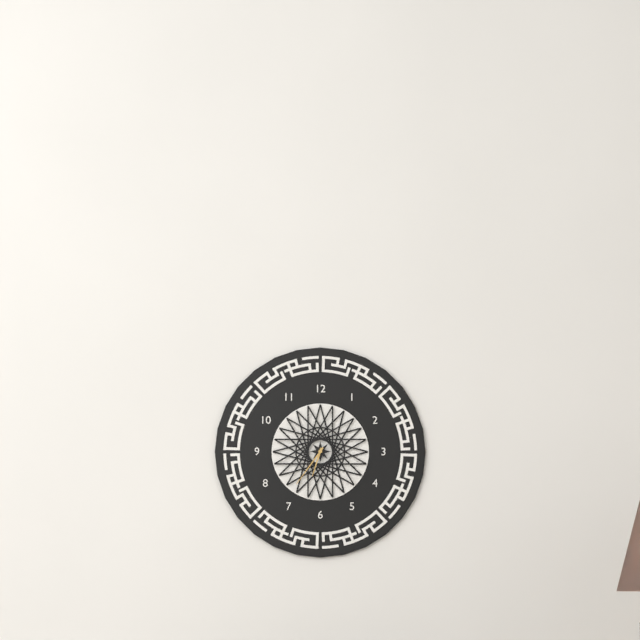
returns 6,36
